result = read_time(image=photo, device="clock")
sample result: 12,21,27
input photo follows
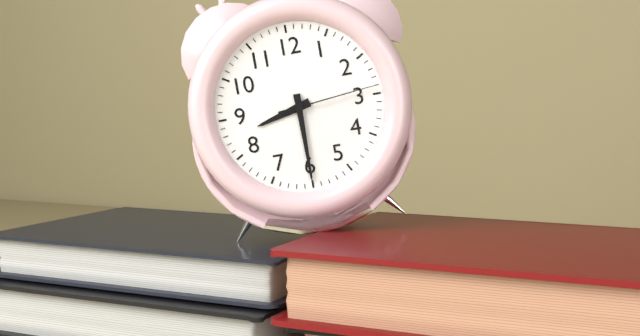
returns 8,30,14
